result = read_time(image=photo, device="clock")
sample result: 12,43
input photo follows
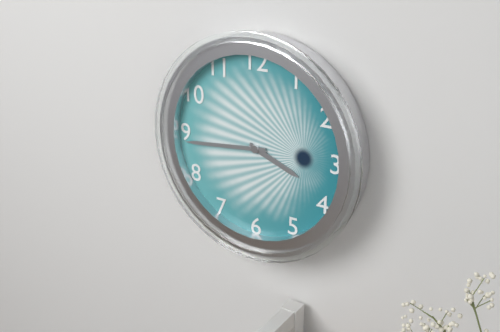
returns 3,44
